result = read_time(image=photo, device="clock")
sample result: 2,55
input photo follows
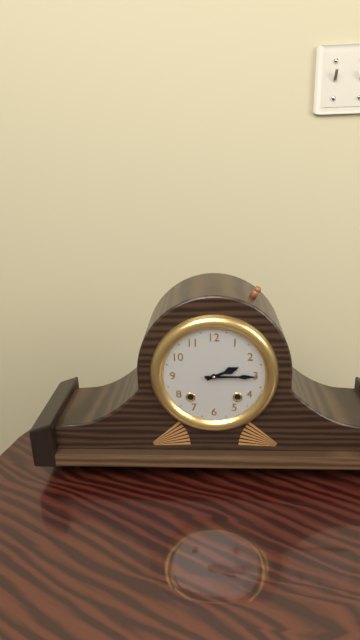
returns 2,15
